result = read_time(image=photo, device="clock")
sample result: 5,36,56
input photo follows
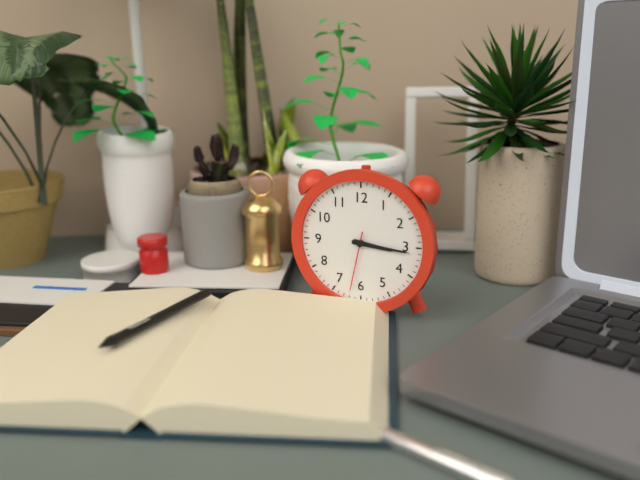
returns 3,16,32
